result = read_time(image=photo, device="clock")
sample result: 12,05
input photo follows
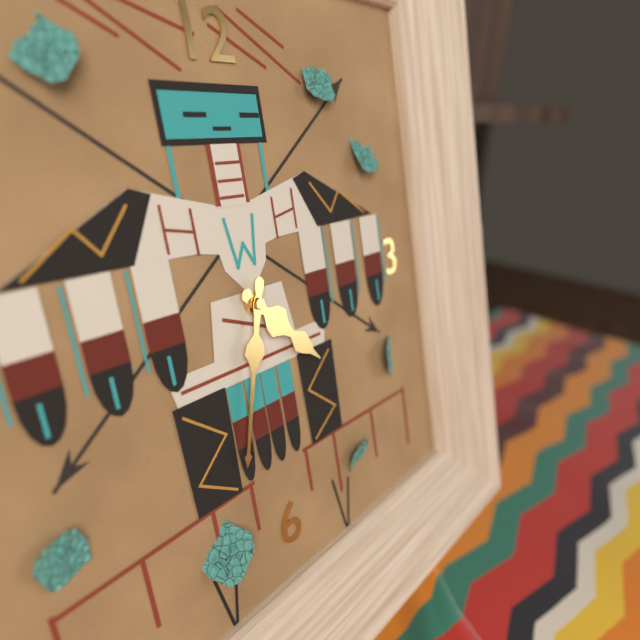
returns 4,33
